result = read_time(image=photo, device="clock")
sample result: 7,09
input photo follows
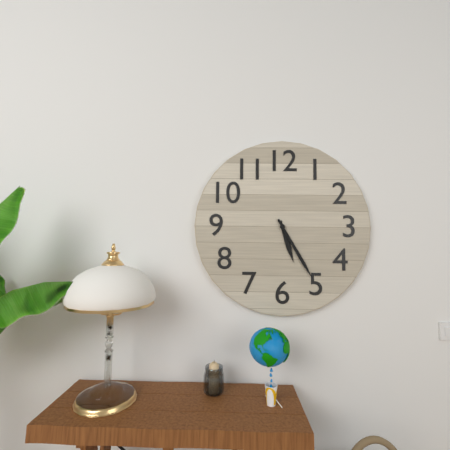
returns 5,25
